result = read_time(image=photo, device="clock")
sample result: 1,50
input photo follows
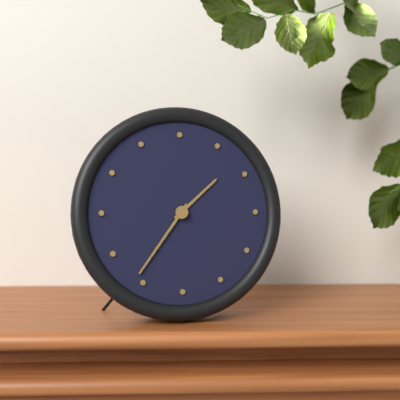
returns 1,36
